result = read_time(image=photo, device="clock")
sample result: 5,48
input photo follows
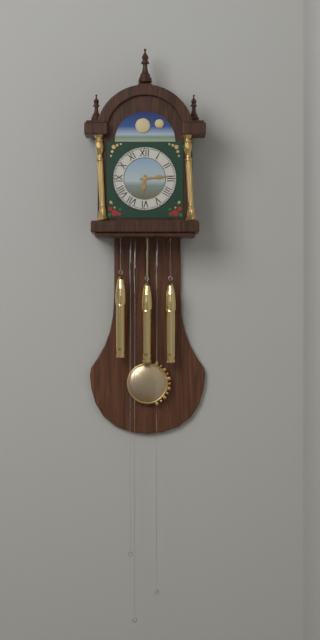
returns 6,14
